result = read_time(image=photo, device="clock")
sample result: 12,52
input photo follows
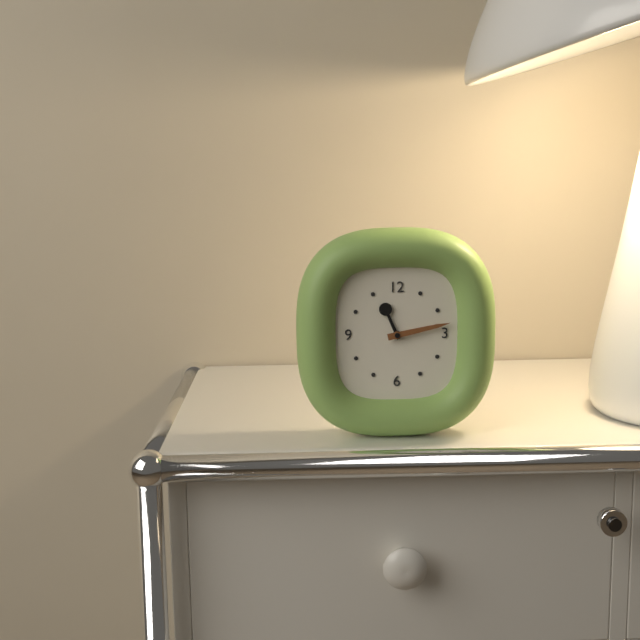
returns 11,13
